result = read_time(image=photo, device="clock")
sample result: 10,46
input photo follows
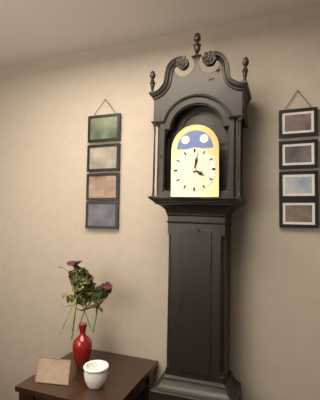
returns 4,02
